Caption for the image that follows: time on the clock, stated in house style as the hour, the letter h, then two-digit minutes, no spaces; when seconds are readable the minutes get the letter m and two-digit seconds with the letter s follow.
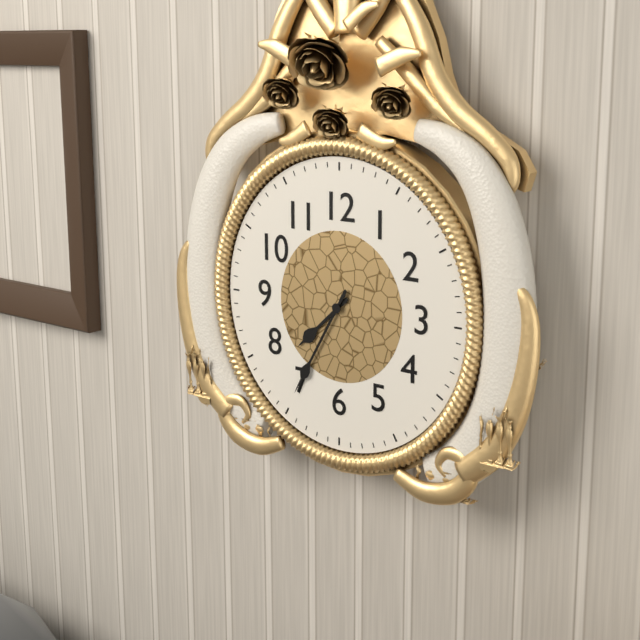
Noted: 7h35
